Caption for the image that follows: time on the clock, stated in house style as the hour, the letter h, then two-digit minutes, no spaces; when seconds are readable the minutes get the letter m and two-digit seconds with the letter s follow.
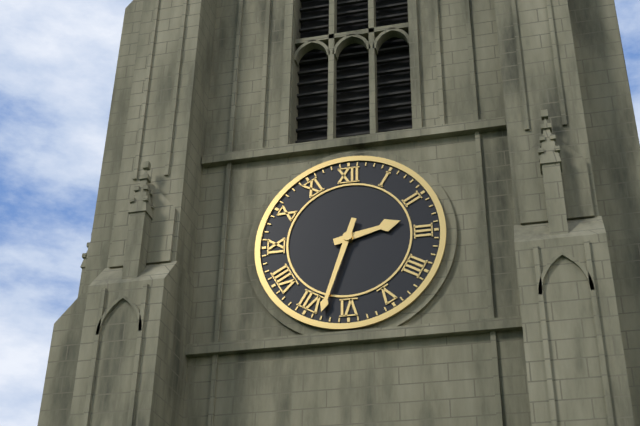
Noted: 2h33
